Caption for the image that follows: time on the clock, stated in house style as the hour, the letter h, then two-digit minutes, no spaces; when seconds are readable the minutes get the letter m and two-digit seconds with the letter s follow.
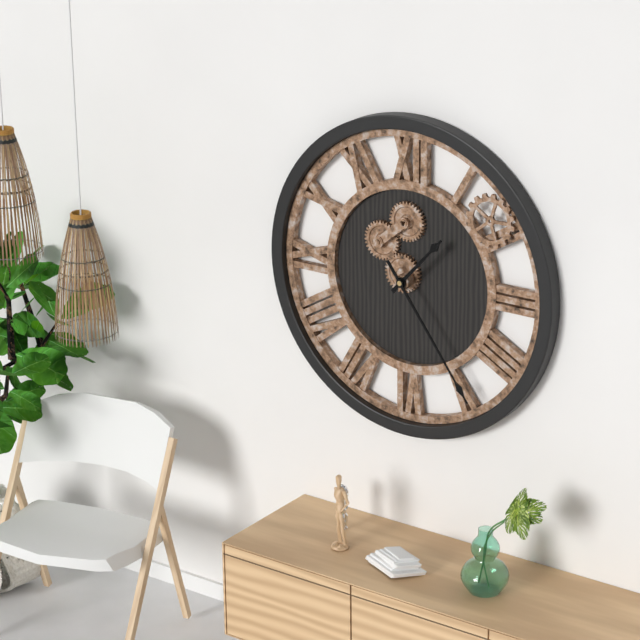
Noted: 1h24
